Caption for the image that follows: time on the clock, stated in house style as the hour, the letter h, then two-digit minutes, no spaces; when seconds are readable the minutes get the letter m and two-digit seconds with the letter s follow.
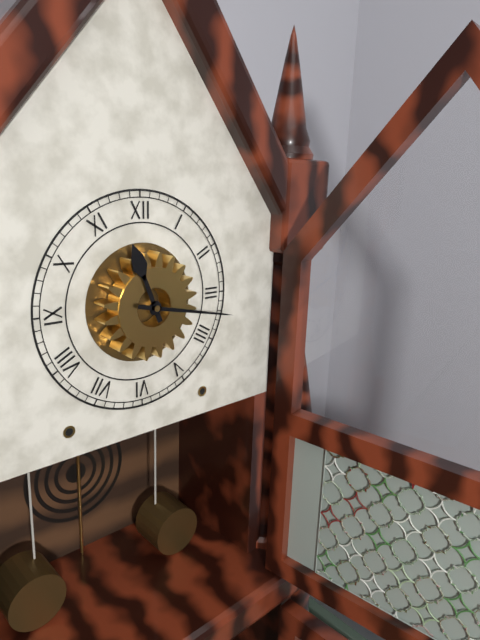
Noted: 11h17
